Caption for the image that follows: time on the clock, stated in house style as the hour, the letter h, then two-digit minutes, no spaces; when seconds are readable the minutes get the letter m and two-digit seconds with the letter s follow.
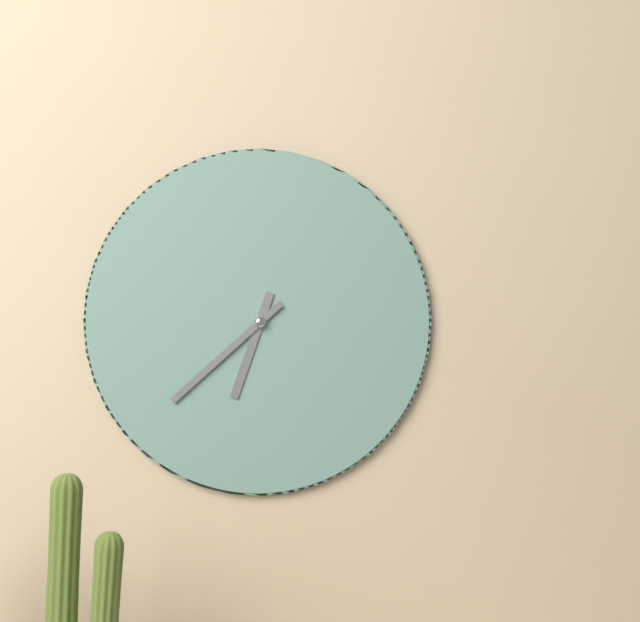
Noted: 6h38
